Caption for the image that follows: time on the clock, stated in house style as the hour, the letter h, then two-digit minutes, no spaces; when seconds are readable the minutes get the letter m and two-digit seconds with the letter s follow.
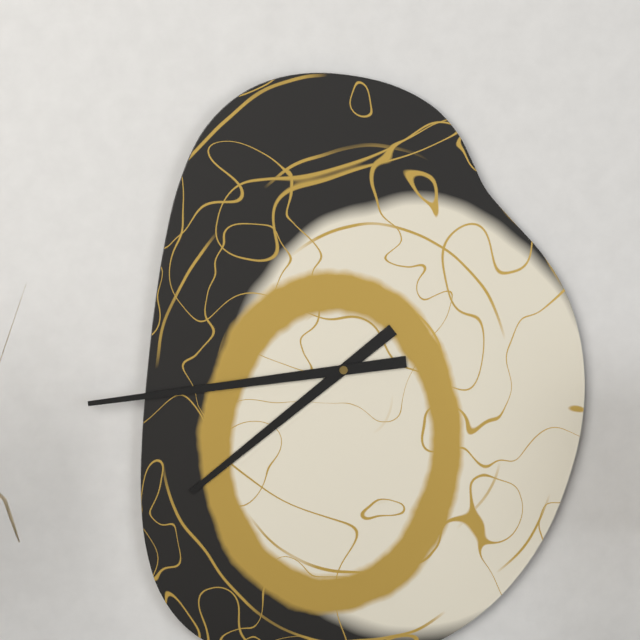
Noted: 7h44
